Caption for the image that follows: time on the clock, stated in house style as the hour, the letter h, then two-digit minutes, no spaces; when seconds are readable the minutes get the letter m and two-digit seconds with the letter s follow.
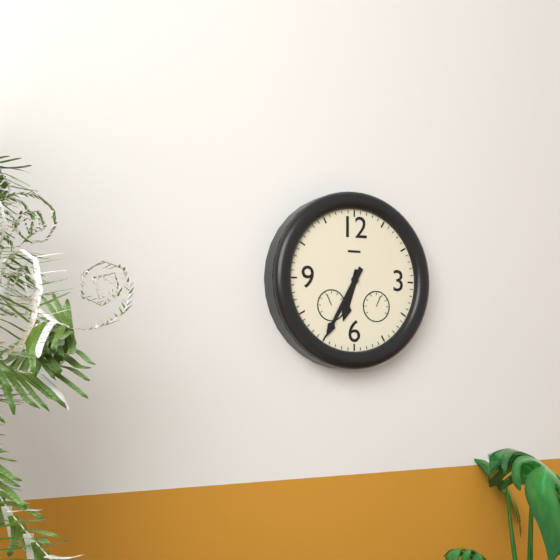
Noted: 6h35
